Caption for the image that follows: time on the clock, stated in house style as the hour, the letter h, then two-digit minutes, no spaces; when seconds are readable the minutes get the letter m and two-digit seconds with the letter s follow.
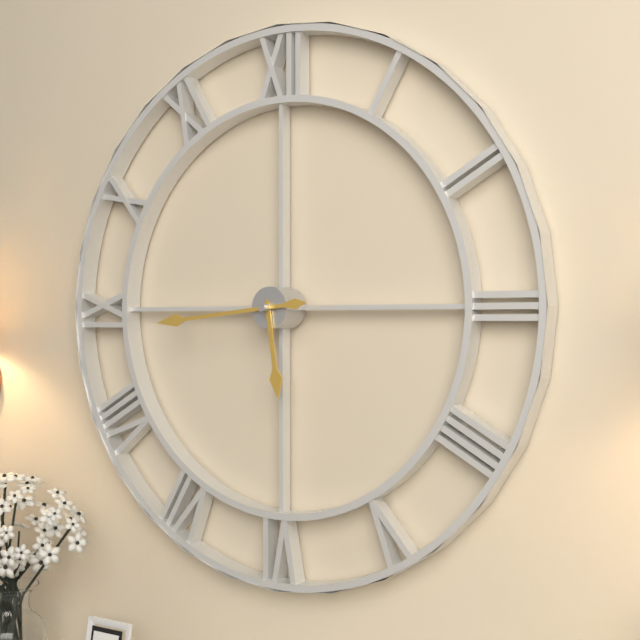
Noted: 5h44
